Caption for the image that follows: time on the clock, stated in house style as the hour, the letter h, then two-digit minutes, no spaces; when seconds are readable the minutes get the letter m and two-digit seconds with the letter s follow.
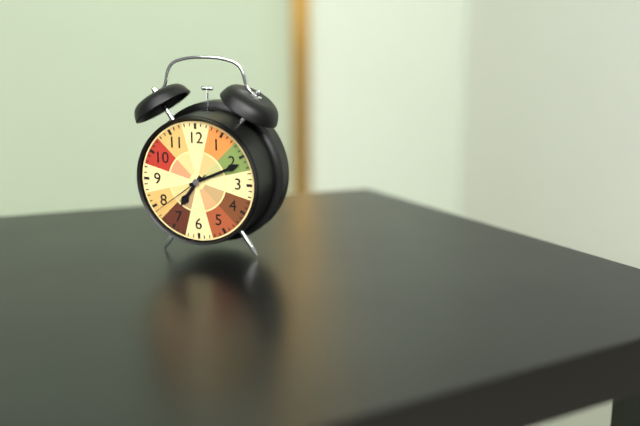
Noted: 7h11m39s
